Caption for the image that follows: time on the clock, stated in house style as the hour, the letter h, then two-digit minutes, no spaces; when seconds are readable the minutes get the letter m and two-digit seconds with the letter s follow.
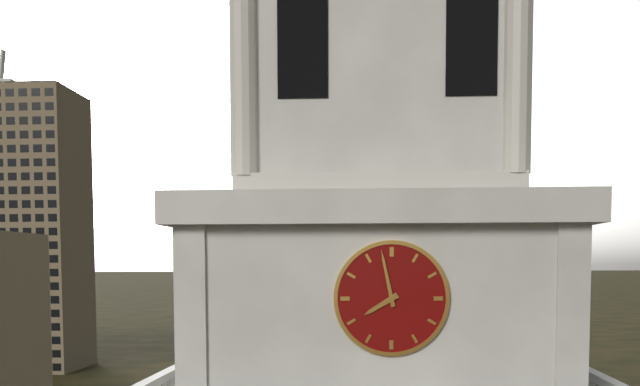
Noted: 7h58
